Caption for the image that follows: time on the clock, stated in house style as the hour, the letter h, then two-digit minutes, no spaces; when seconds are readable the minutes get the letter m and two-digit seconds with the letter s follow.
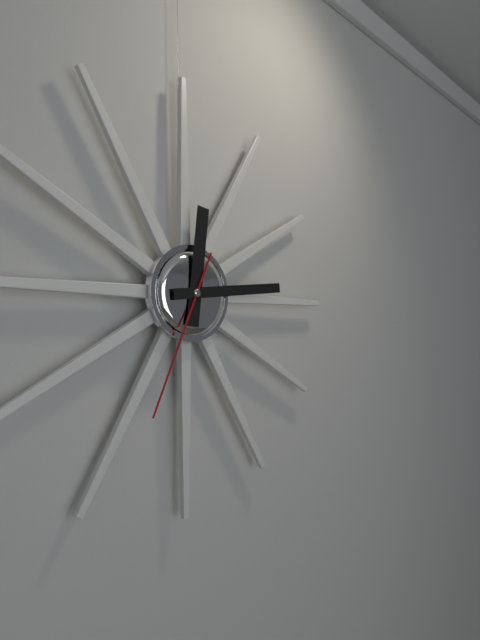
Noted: 12h14m34s
